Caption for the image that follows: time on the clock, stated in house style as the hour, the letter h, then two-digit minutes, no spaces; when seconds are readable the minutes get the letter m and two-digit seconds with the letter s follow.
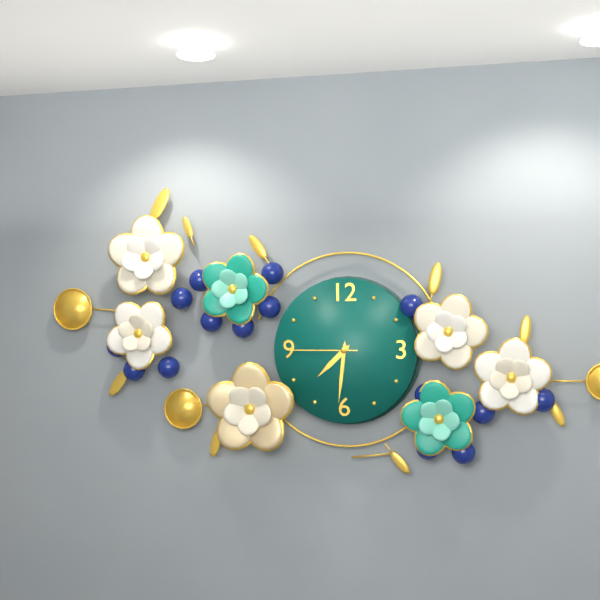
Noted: 7h31m45s
